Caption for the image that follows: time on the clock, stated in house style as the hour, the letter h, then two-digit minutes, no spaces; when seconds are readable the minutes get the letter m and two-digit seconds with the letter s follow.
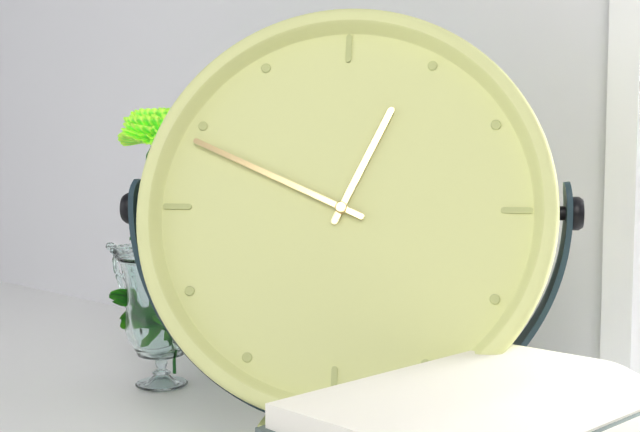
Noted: 12h49
